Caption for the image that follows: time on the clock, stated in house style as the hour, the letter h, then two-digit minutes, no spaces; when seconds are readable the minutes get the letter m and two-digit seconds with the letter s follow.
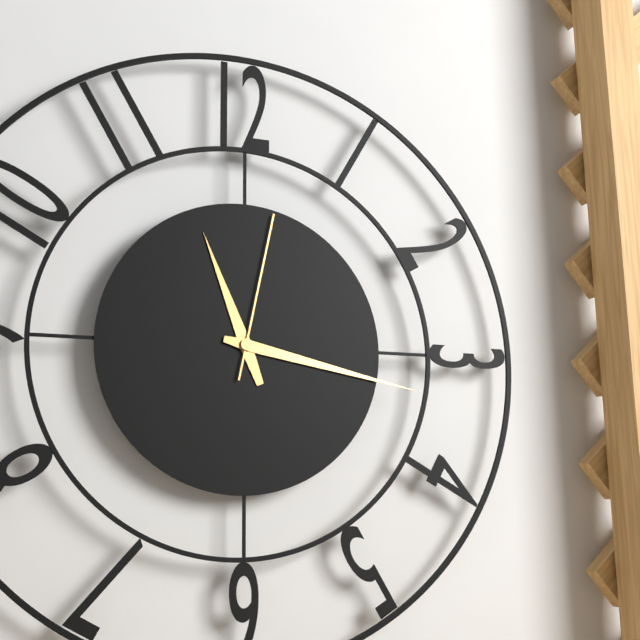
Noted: 11h17m02s
